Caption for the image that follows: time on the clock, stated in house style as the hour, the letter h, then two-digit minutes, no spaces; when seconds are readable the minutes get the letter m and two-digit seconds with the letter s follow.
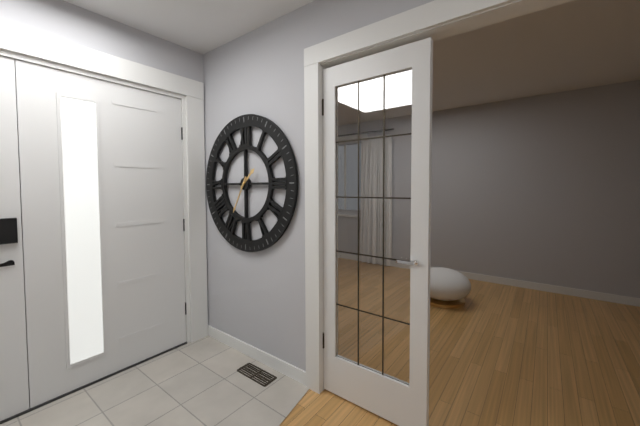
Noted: 1h35
